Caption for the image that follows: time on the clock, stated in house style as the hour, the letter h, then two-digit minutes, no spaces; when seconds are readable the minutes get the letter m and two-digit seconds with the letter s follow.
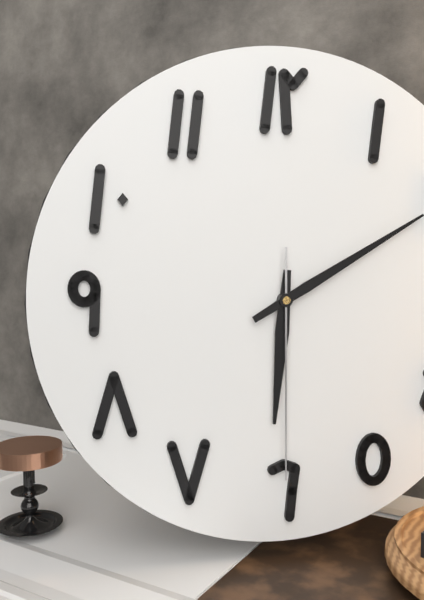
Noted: 6h10m30s
